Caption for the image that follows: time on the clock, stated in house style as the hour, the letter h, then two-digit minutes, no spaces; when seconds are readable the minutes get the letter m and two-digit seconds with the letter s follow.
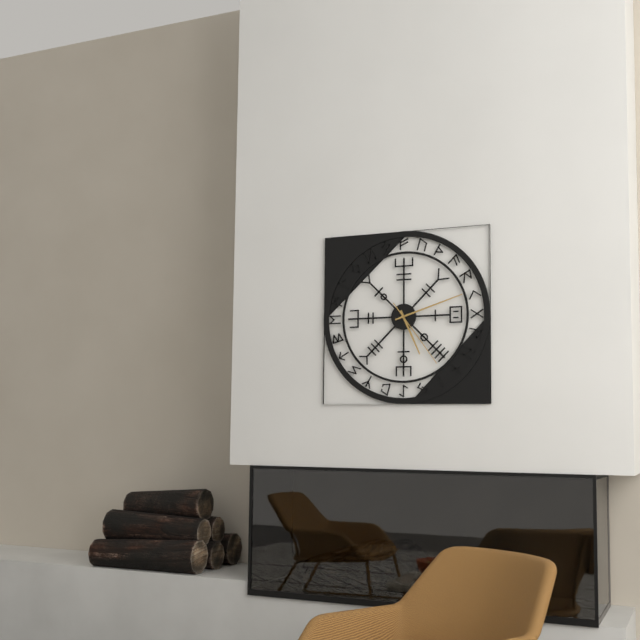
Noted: 5h12m24s
